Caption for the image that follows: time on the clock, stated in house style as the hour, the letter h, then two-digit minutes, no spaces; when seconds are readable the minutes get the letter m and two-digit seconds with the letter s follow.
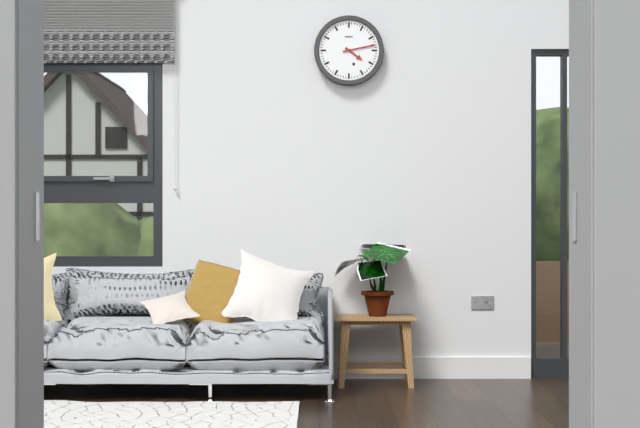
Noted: 4h13
